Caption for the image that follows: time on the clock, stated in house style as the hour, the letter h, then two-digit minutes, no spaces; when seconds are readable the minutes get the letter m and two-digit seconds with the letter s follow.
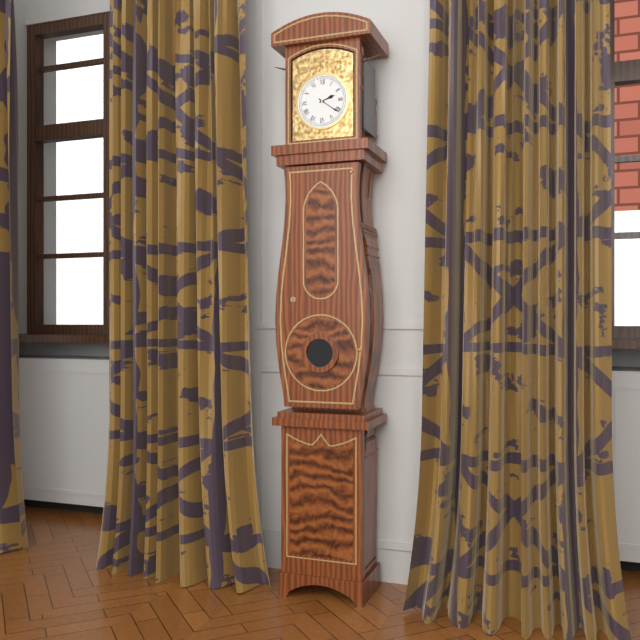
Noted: 2h21
